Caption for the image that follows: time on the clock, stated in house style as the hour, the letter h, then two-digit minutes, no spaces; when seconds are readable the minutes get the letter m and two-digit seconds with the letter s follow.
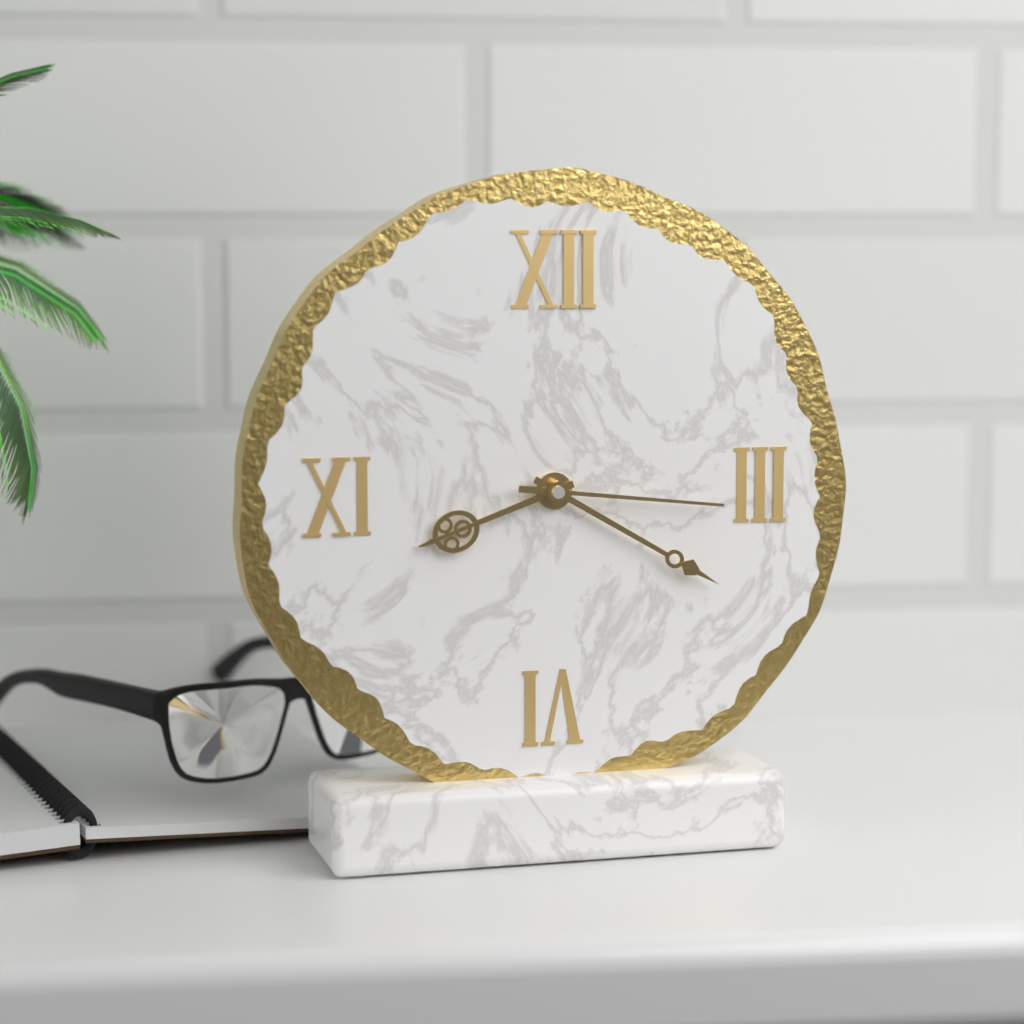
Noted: 8h20m16s
